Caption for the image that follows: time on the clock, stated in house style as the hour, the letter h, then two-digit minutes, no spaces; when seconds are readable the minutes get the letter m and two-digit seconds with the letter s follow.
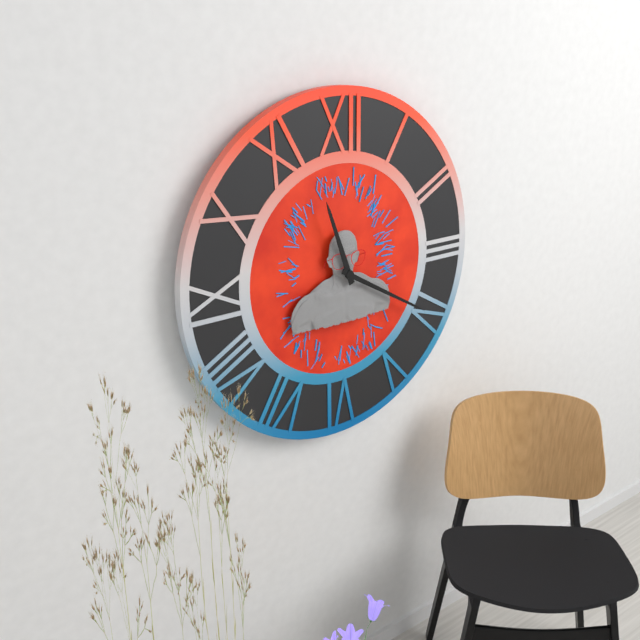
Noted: 11h20
